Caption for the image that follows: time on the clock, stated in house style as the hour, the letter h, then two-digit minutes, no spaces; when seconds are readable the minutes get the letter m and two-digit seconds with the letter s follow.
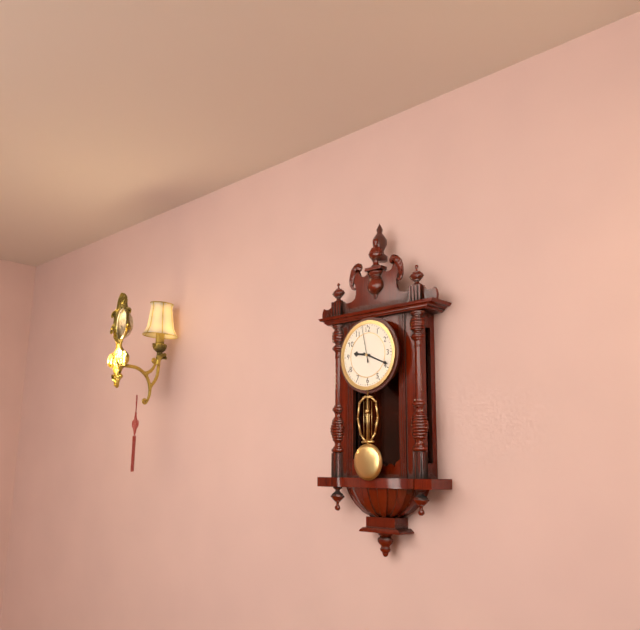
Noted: 9h19
